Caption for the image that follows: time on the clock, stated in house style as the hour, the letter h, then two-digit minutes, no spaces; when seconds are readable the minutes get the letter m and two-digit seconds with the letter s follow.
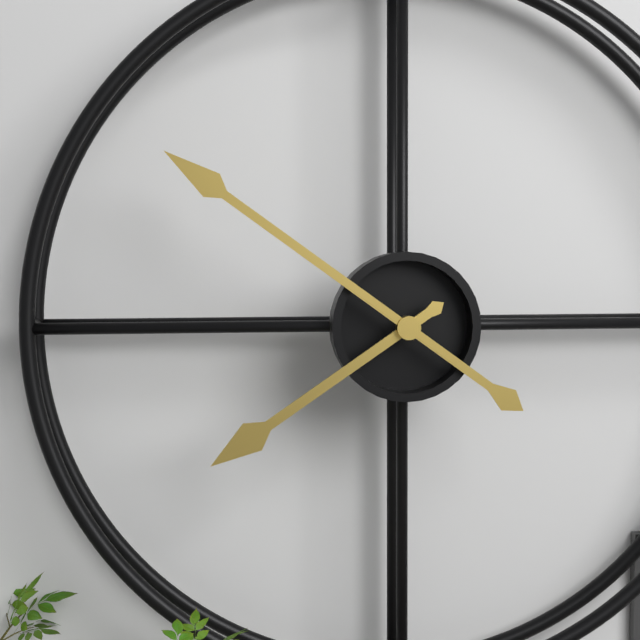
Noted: 7h51
